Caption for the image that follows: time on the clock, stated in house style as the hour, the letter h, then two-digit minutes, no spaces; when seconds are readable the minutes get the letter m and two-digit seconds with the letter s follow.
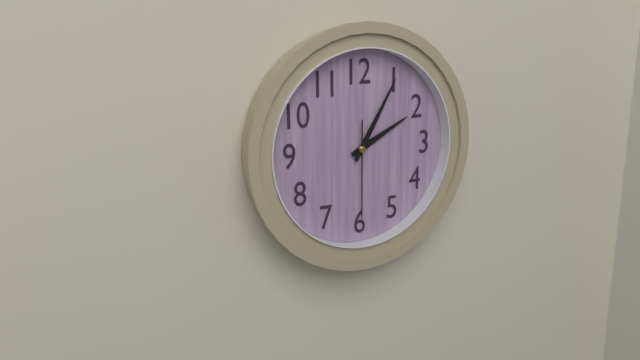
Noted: 2h05m30s
